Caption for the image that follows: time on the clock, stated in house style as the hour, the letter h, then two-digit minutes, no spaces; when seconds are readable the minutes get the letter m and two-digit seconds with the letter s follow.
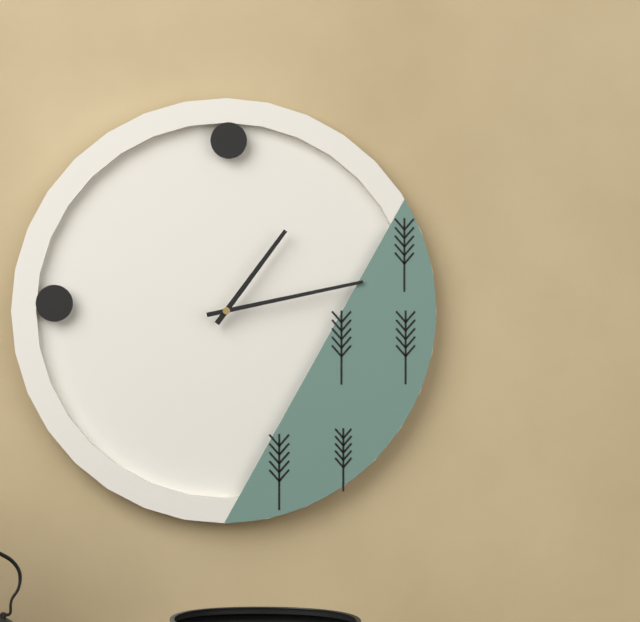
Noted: 1h13
